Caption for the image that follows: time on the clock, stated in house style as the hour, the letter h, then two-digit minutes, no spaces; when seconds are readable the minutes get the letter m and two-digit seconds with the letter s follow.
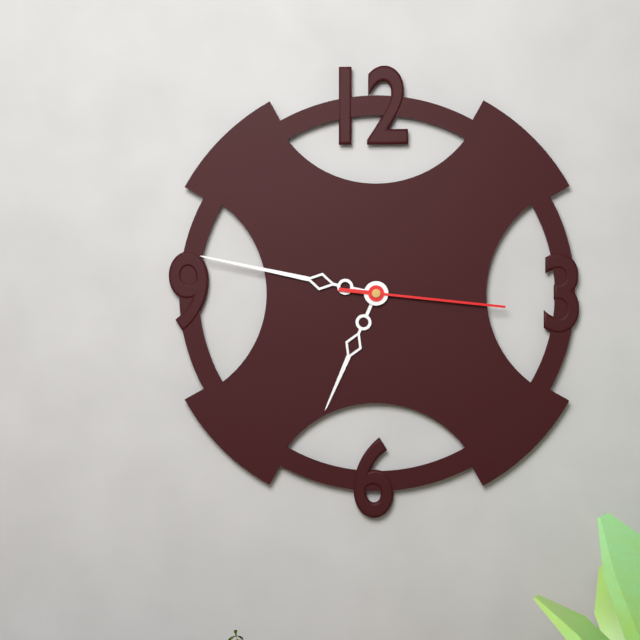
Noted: 6h47m16s
